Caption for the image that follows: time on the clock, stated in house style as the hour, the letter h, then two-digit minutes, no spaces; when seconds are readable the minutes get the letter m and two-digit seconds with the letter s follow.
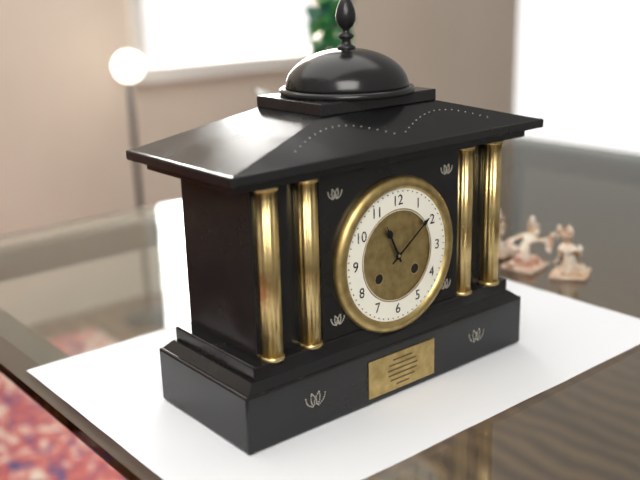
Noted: 11h09
